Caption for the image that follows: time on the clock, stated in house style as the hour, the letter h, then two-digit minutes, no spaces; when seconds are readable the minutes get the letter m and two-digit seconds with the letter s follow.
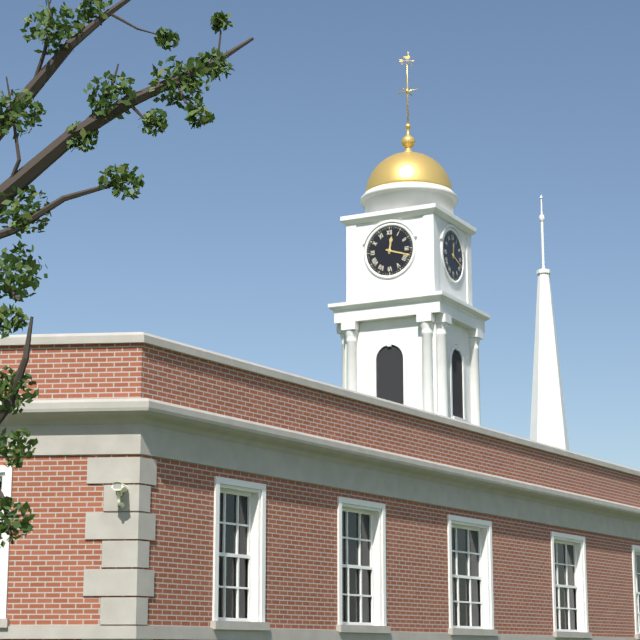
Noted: 12h18
